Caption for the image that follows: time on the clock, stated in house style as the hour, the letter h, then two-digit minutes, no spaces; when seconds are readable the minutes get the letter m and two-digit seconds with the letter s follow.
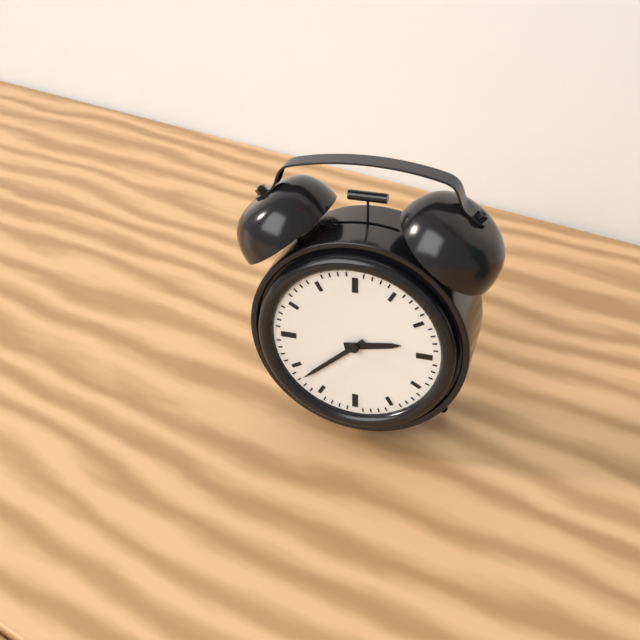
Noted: 2h38
